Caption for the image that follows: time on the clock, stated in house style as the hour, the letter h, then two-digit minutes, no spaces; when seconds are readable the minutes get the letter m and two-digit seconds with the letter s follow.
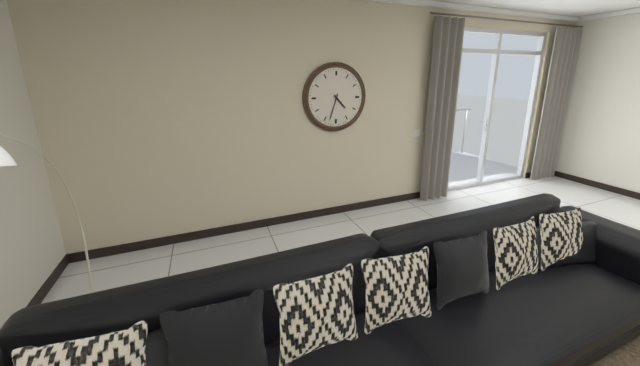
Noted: 4h33
